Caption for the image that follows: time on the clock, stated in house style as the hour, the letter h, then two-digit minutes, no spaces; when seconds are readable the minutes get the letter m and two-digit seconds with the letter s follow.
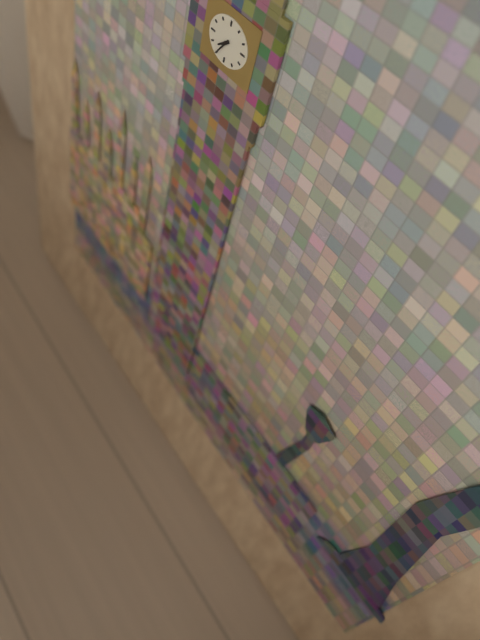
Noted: 7h35
